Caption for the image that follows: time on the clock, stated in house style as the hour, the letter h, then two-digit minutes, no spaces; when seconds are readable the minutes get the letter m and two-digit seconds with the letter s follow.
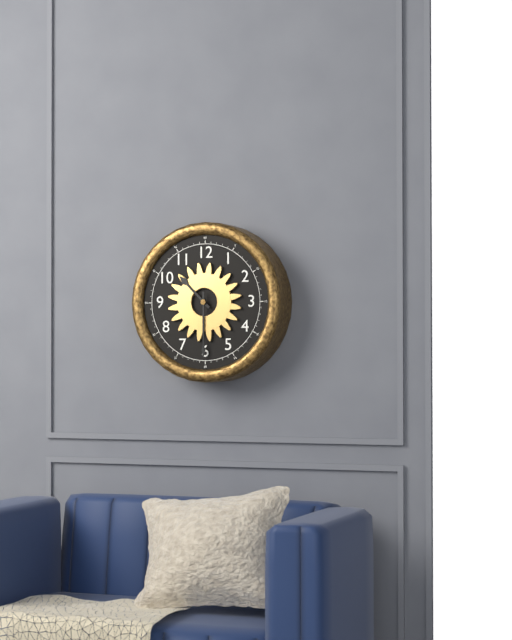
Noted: 10h30
